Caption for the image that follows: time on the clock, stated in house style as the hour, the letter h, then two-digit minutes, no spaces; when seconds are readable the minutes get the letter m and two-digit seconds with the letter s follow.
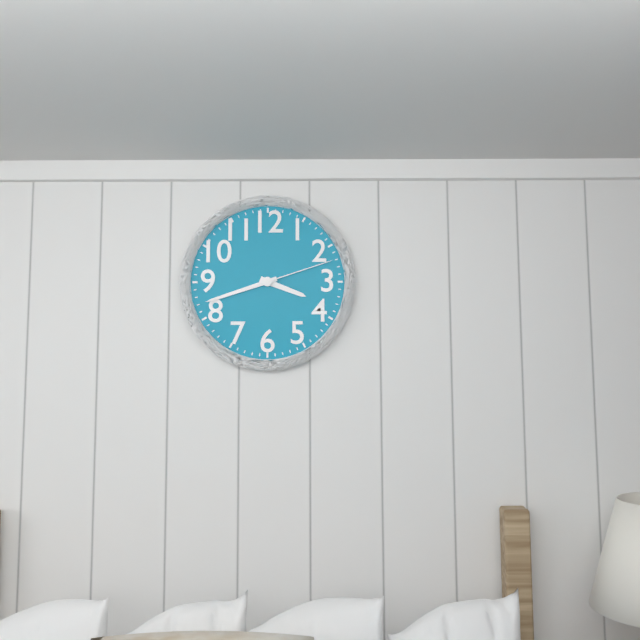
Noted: 3h42m12s
